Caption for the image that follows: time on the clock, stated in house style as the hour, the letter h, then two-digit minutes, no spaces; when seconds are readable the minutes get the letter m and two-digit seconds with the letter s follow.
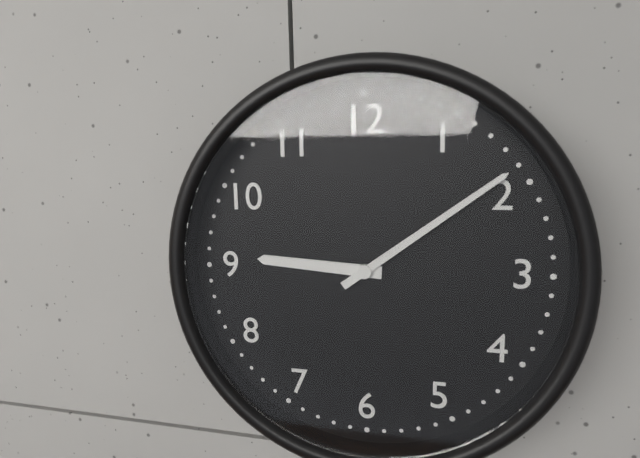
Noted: 9h09
